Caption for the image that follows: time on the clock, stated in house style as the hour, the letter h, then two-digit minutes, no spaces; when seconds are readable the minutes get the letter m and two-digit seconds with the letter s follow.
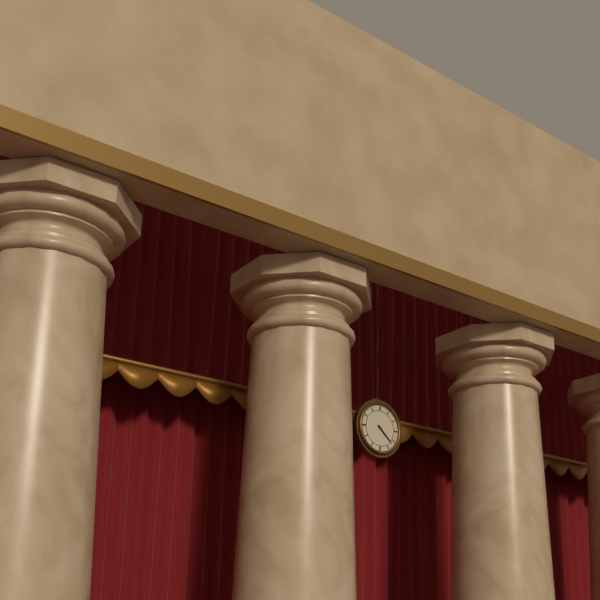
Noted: 4h22
